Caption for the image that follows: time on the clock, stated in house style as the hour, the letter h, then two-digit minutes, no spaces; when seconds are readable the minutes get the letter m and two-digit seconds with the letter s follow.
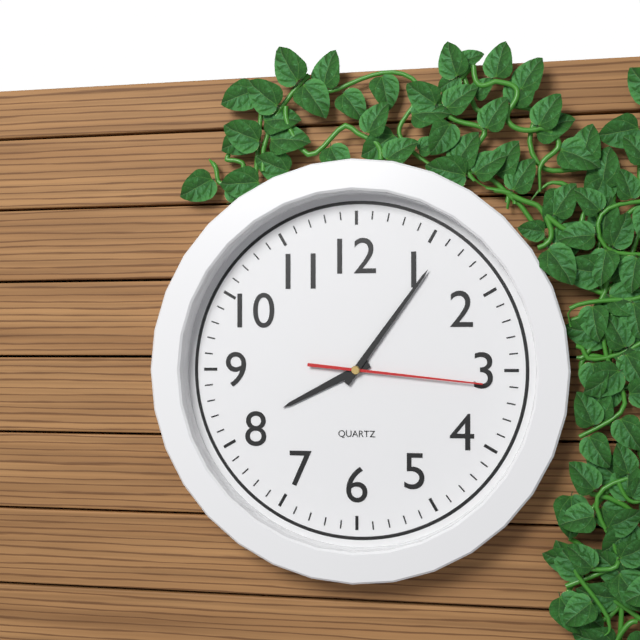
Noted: 8h06m16s
